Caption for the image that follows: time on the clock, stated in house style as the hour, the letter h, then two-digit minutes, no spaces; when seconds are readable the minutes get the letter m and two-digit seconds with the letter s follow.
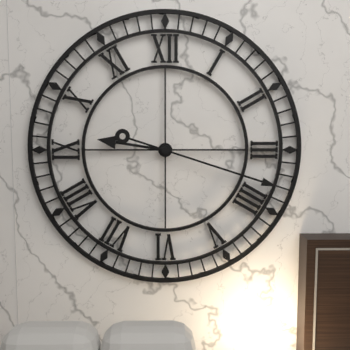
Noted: 9h18
